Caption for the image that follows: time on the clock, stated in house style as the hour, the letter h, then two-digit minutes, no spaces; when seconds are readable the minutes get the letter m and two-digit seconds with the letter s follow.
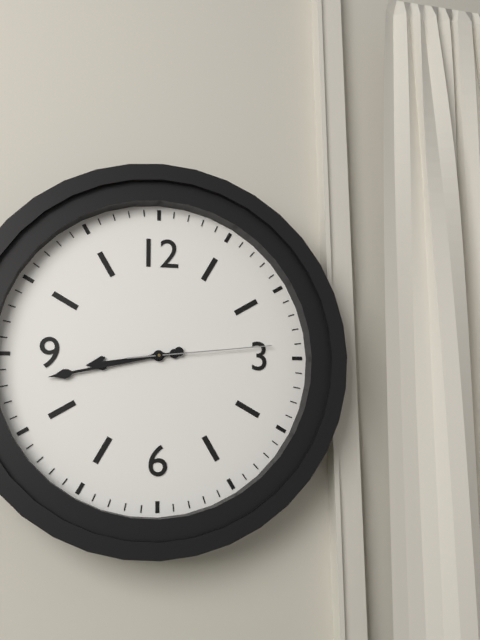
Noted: 8h43m14s
